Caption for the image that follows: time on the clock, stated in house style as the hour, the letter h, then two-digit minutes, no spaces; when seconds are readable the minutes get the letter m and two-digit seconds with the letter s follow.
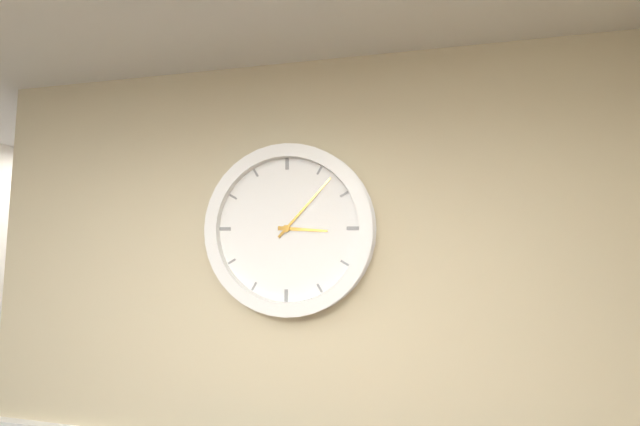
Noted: 3h07
